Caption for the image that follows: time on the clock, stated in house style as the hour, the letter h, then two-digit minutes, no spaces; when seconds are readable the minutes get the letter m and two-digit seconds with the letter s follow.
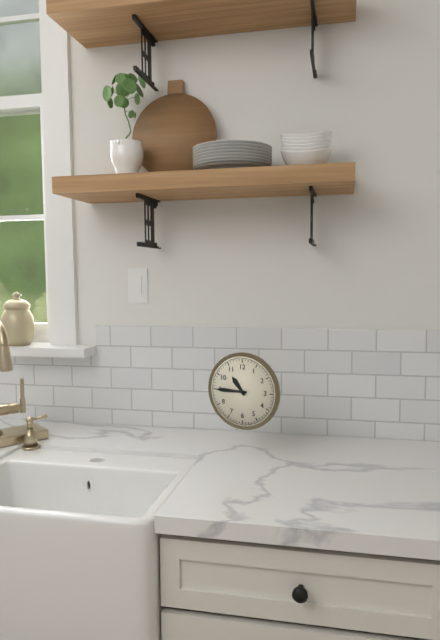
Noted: 10h45
